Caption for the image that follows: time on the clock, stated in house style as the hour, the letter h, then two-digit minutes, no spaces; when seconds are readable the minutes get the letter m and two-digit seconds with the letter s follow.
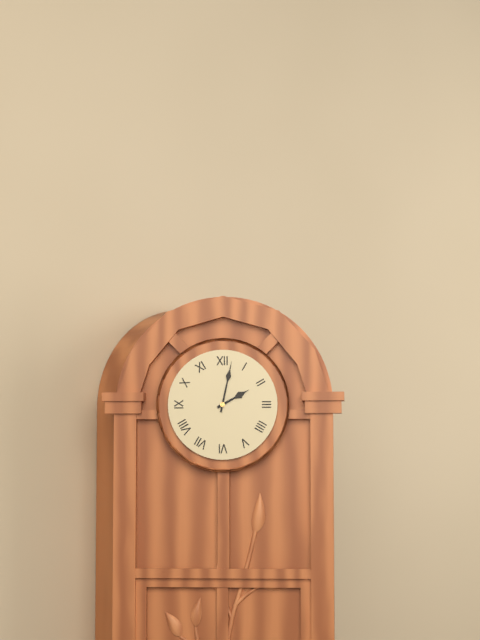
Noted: 2h02
